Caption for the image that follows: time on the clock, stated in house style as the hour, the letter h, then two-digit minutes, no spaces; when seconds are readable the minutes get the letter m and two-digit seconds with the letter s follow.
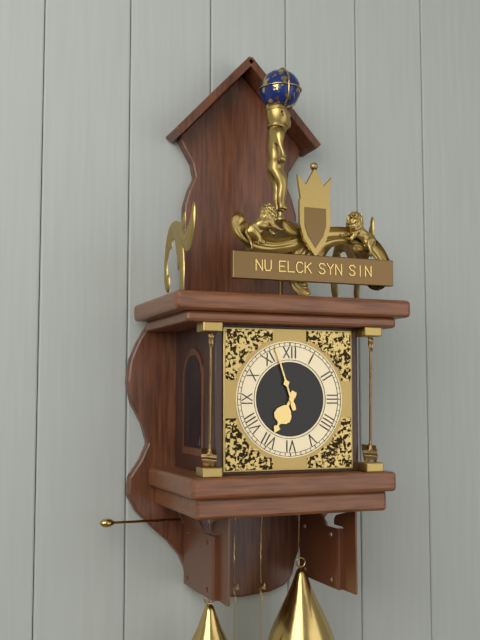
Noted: 6h57
